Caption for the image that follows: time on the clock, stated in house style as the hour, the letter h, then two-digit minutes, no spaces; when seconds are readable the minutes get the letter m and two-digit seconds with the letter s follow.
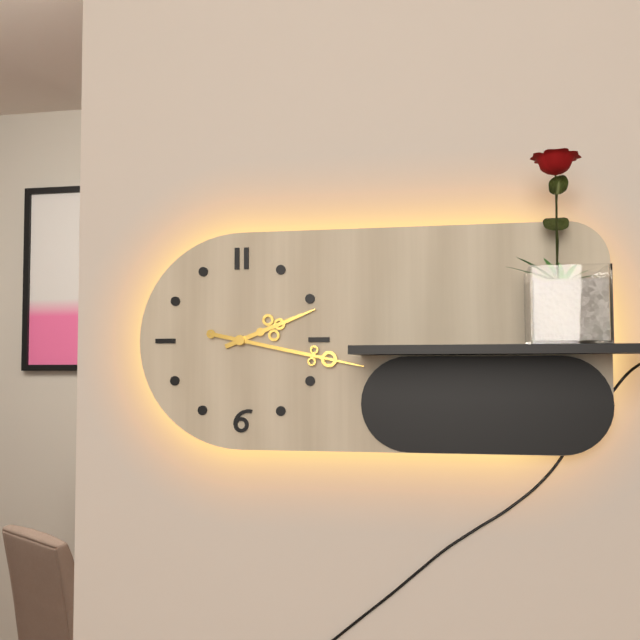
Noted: 2h17
